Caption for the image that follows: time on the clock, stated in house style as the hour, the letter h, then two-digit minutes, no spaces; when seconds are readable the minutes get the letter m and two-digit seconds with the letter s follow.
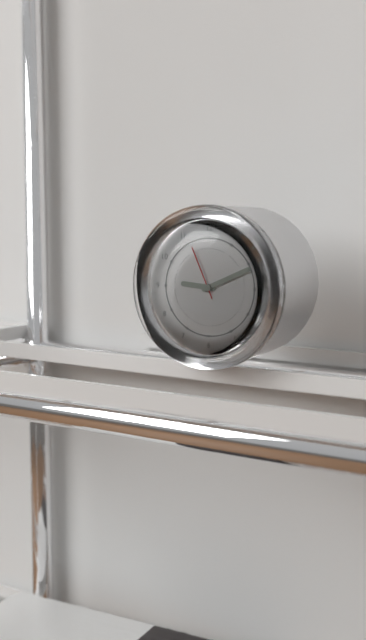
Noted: 9h11m56s
